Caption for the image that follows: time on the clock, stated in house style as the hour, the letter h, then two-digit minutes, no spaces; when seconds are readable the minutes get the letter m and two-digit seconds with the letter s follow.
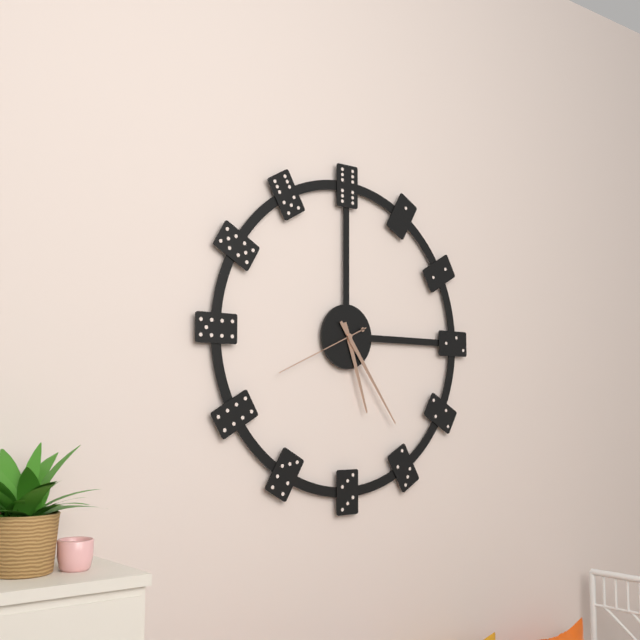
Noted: 5h24m41s
